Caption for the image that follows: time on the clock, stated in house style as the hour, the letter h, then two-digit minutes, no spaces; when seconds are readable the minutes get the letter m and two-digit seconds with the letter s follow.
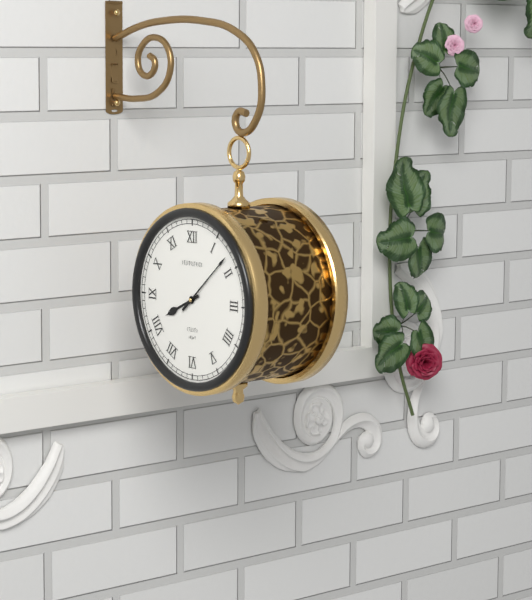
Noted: 8h08
